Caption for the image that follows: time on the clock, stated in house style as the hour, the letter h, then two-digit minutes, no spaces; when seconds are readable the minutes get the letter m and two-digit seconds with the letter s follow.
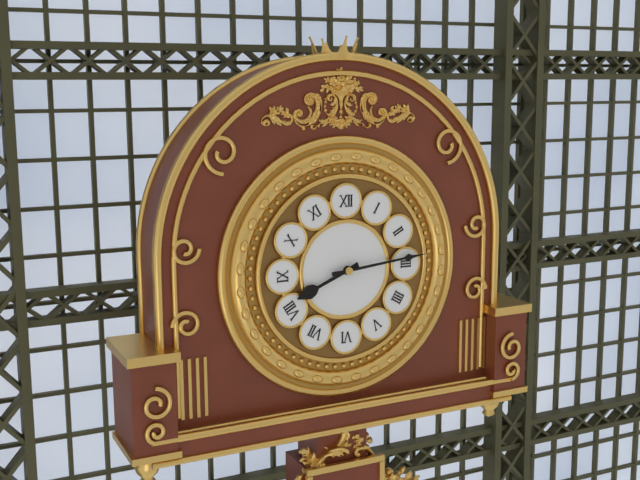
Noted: 8h14
